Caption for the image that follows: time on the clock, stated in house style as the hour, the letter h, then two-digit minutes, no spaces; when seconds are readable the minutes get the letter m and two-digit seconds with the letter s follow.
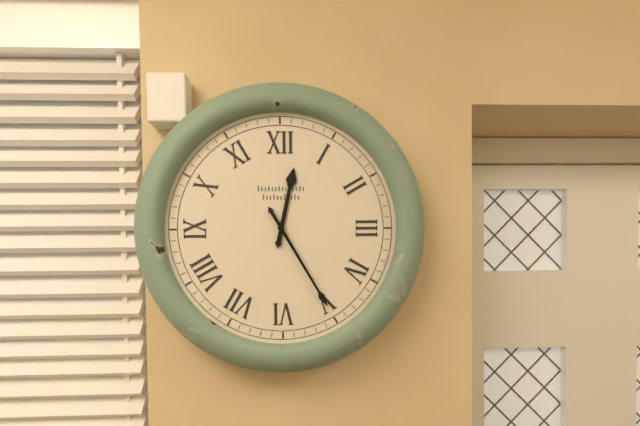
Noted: 12h25
